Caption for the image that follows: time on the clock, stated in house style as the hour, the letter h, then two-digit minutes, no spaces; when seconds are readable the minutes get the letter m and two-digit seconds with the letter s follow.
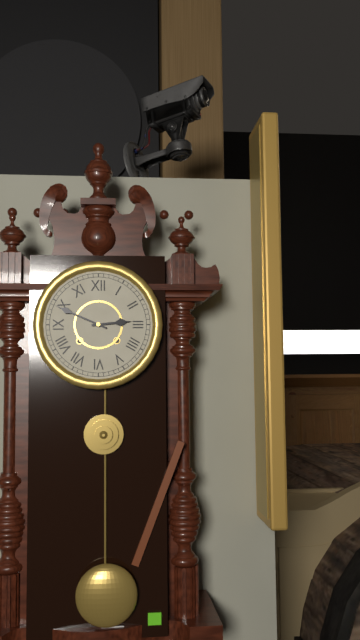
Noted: 2h49
